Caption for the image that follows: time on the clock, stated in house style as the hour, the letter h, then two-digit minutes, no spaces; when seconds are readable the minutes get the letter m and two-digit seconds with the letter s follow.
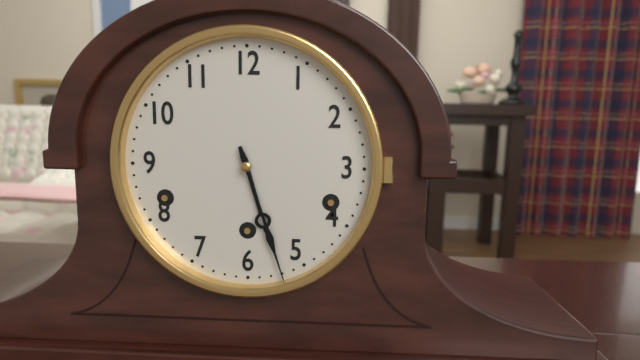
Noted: 5h27
